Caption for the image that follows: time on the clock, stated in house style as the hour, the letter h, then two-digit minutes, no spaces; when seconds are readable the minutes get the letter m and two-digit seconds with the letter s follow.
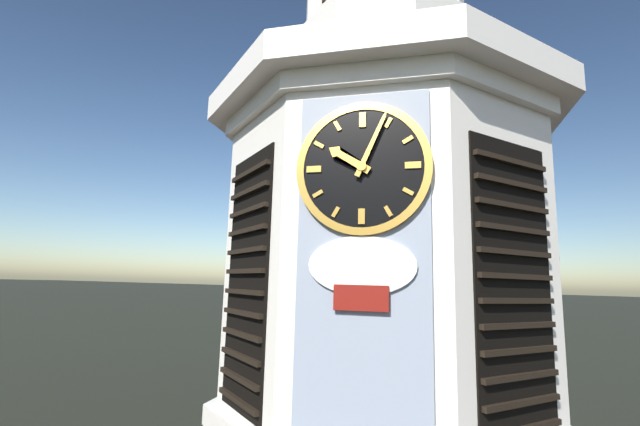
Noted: 10h04
